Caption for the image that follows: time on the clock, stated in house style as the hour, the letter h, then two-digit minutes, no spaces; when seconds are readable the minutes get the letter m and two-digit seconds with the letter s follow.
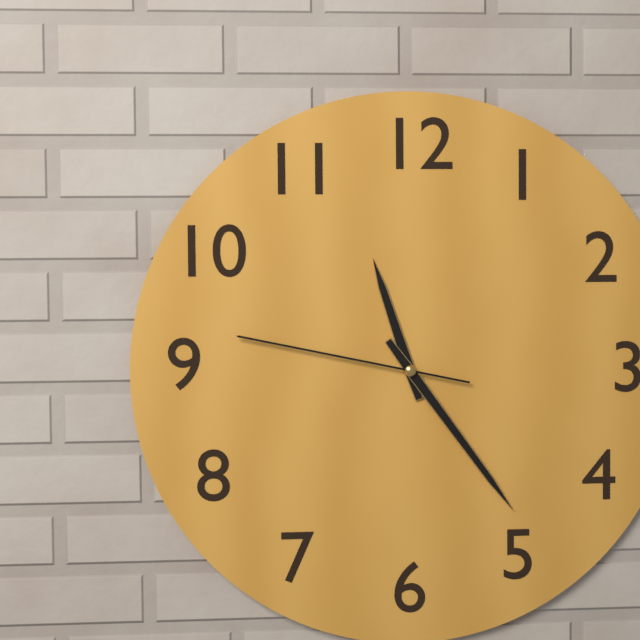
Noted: 11h24m47s
